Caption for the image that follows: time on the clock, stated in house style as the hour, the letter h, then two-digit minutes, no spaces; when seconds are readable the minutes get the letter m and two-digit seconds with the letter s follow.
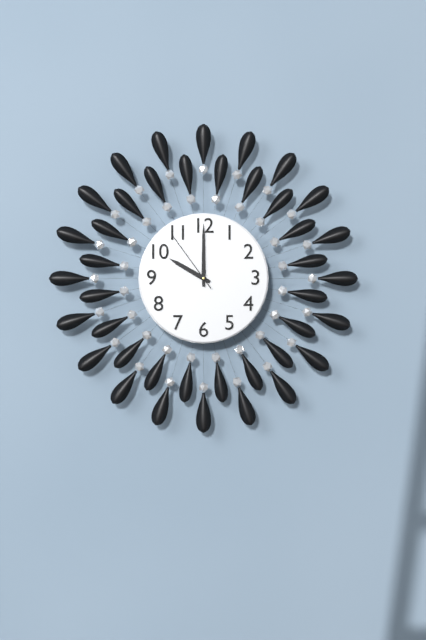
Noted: 10h00m54s
